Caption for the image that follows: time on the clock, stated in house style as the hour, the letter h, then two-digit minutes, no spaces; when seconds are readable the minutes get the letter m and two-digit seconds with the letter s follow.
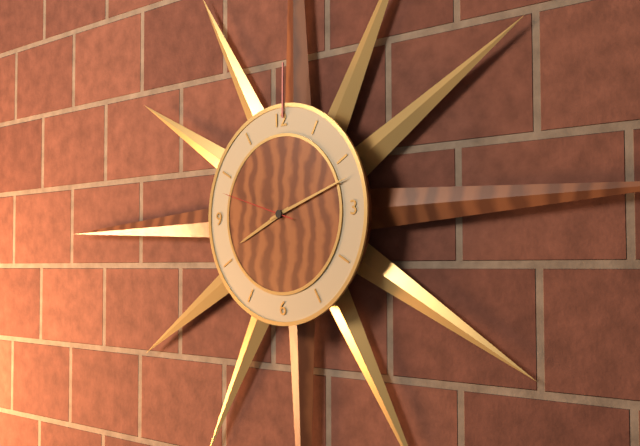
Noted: 8h12m48s
